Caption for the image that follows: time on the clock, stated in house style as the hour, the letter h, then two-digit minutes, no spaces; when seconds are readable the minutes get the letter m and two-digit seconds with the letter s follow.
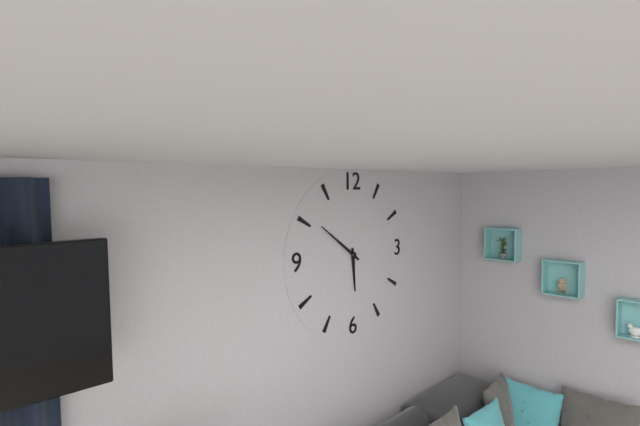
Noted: 5h51
